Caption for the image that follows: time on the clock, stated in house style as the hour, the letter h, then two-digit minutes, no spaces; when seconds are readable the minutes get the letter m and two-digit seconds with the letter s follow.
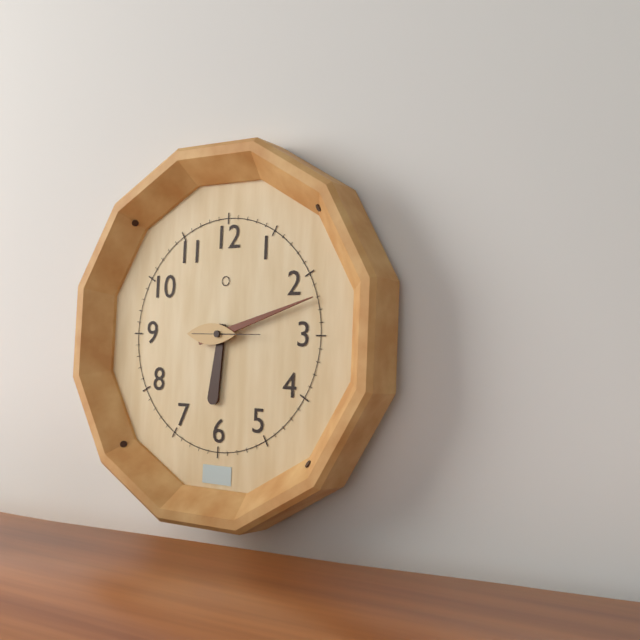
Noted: 6h12
